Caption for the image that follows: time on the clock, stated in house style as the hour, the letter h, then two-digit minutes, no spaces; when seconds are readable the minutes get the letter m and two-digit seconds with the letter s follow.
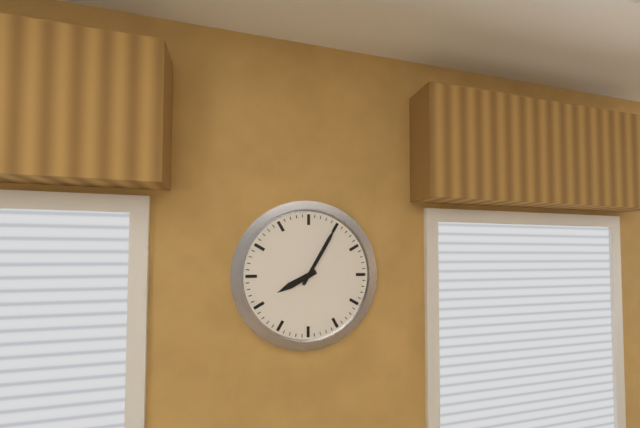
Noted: 8h05
